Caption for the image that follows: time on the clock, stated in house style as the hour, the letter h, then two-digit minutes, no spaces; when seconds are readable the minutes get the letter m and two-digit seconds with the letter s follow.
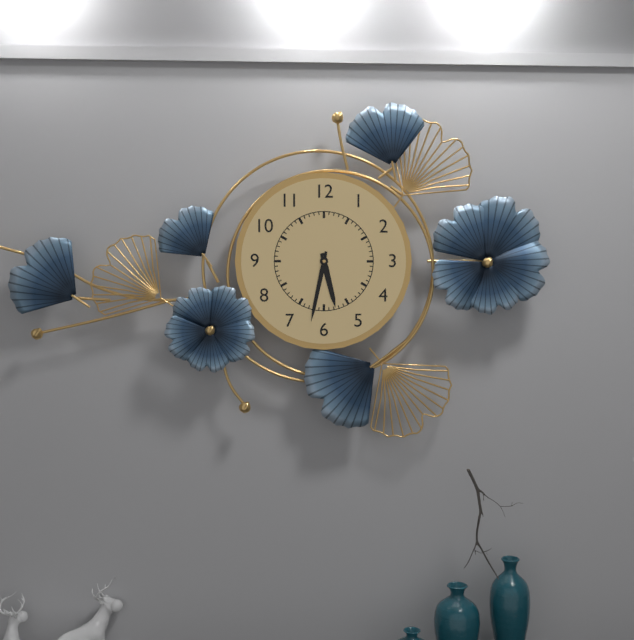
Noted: 5h32
